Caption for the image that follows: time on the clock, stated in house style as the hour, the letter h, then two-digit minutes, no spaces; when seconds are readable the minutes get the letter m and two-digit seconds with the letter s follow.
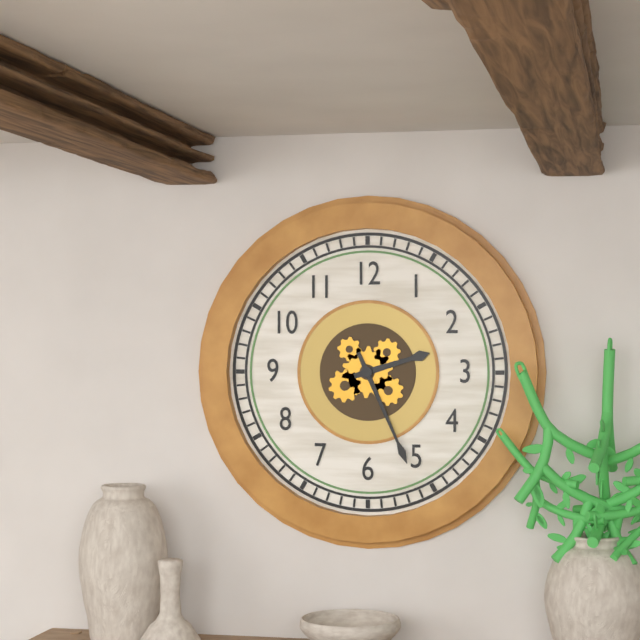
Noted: 2h26
